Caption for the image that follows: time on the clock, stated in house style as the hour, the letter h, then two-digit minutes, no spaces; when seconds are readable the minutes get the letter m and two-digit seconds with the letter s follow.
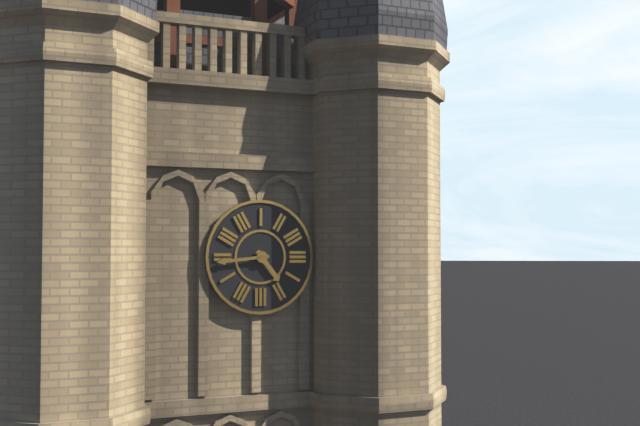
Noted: 4h44
